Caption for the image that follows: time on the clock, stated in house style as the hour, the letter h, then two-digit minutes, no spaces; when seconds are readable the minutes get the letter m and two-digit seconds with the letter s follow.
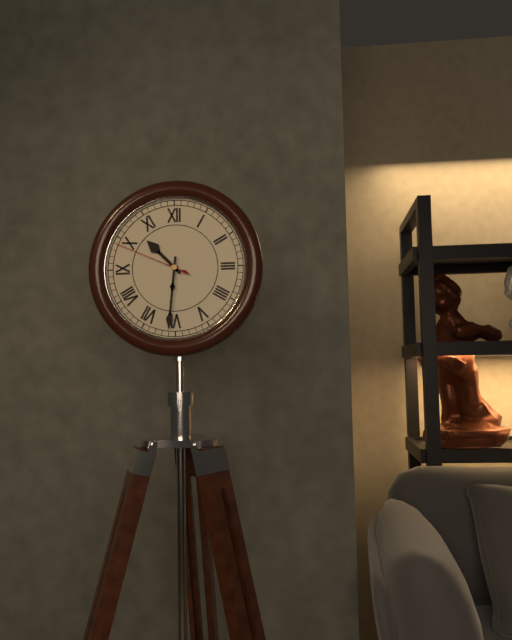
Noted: 10h31m49s
